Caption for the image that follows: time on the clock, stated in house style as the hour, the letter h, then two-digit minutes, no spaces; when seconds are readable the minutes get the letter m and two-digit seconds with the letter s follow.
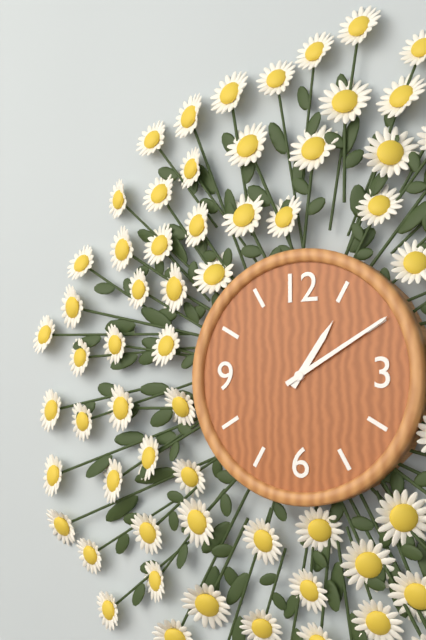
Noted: 1h10
